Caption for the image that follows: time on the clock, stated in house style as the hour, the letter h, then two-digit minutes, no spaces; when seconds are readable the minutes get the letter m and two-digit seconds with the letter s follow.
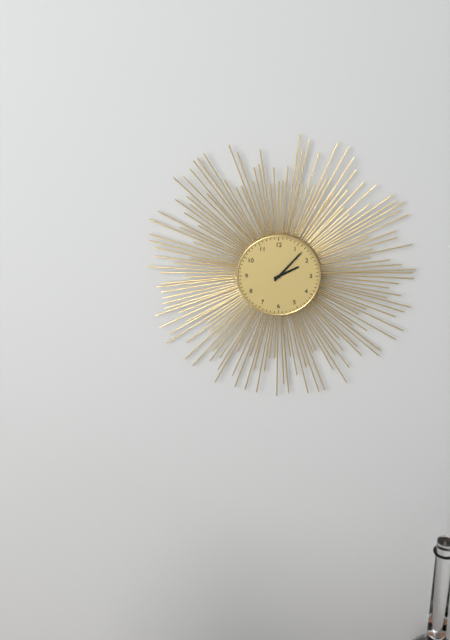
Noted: 2h07
